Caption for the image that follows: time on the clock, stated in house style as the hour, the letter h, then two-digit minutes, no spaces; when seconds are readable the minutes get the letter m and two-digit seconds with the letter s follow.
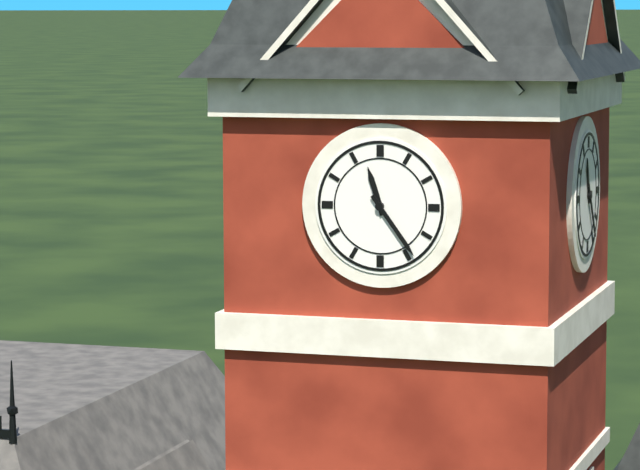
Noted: 11h24
